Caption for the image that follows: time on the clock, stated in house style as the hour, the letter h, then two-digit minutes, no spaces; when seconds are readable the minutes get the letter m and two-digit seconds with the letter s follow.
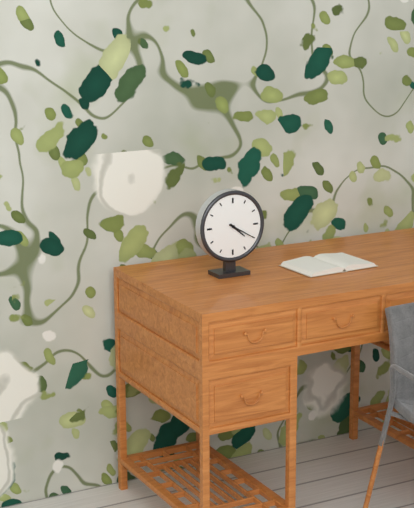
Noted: 4h20
